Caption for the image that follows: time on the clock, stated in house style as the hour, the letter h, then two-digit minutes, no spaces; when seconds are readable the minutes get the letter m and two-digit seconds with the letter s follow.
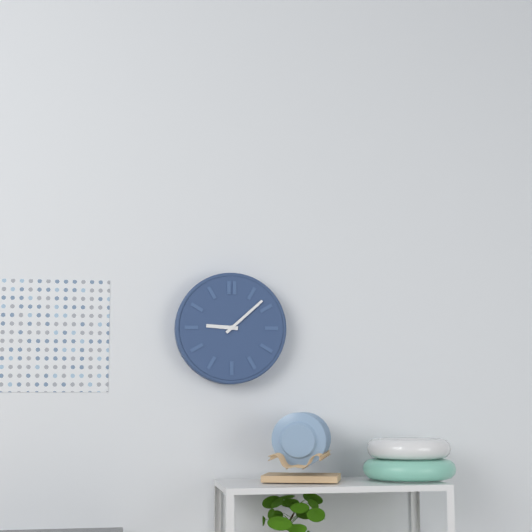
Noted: 9h08
